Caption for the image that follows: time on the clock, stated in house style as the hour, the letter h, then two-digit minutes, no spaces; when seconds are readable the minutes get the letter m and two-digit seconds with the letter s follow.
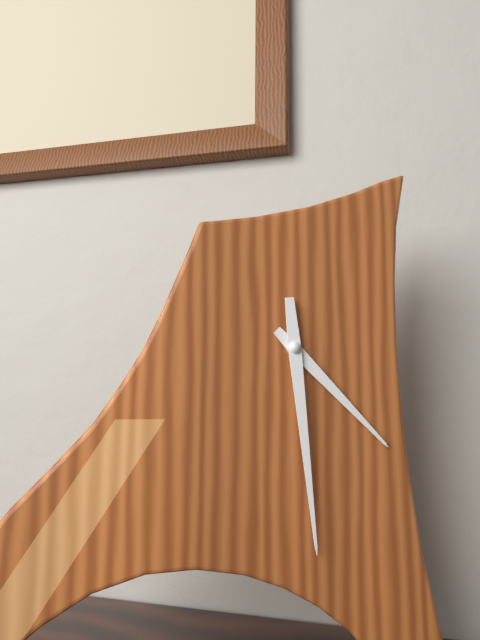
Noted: 4h29
